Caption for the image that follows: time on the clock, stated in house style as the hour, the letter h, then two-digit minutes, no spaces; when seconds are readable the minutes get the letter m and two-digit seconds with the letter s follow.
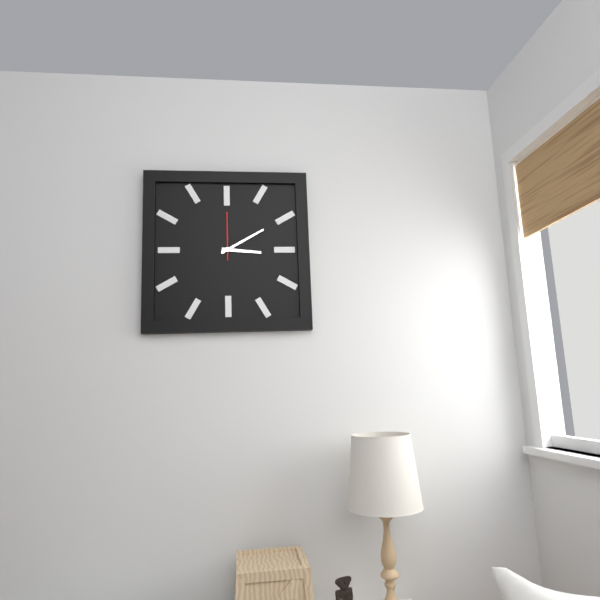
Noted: 3h10
